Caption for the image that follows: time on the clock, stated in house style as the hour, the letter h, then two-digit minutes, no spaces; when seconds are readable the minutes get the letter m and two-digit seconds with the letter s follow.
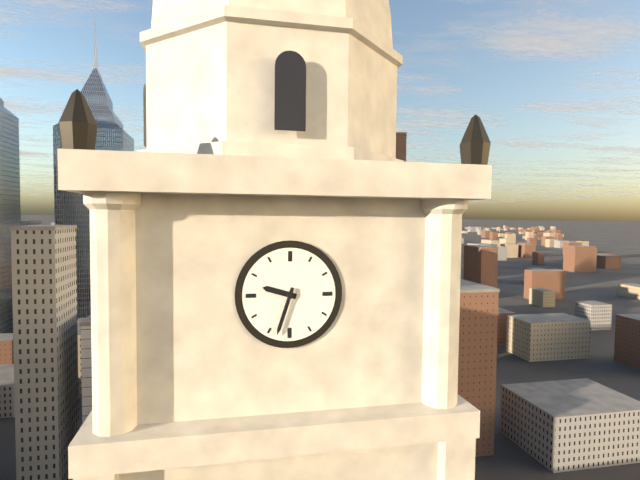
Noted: 9h33
